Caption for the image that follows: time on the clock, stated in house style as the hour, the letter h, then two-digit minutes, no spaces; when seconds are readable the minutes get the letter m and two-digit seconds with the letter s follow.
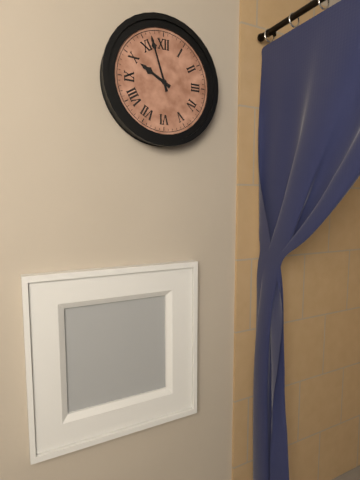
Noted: 9h57
